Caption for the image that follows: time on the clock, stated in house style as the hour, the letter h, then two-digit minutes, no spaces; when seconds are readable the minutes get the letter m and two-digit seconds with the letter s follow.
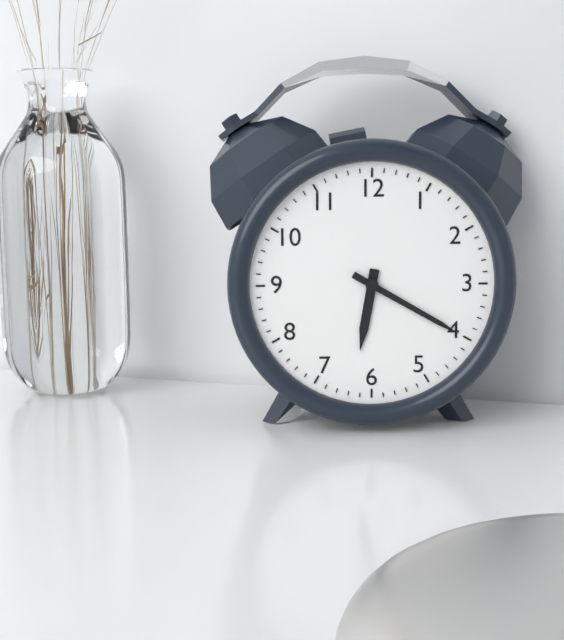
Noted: 6h20
